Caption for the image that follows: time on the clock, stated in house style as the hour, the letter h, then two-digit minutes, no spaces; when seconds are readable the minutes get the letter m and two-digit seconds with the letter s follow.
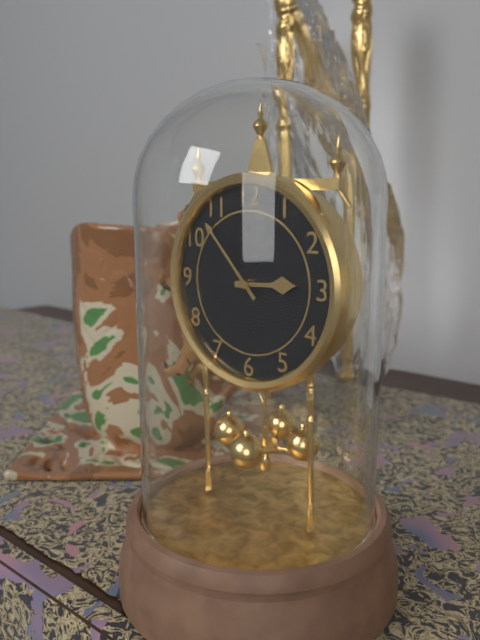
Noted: 2h53
